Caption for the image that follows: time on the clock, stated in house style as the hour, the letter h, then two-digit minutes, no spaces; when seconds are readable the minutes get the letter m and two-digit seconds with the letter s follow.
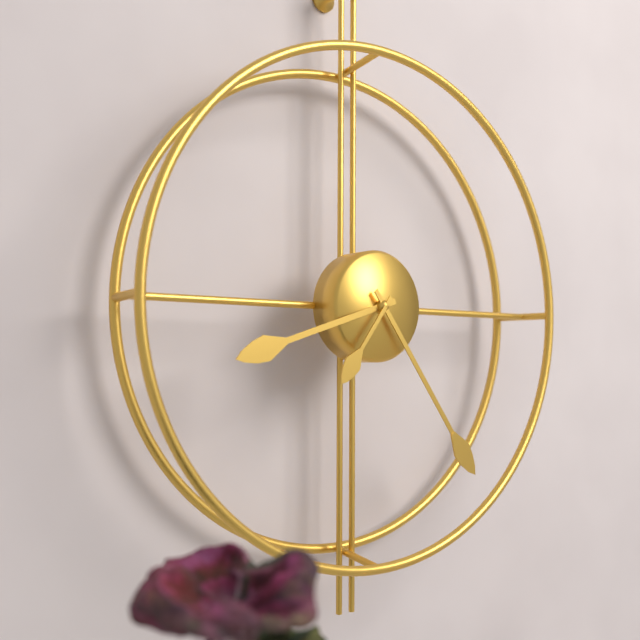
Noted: 8h24m36s
